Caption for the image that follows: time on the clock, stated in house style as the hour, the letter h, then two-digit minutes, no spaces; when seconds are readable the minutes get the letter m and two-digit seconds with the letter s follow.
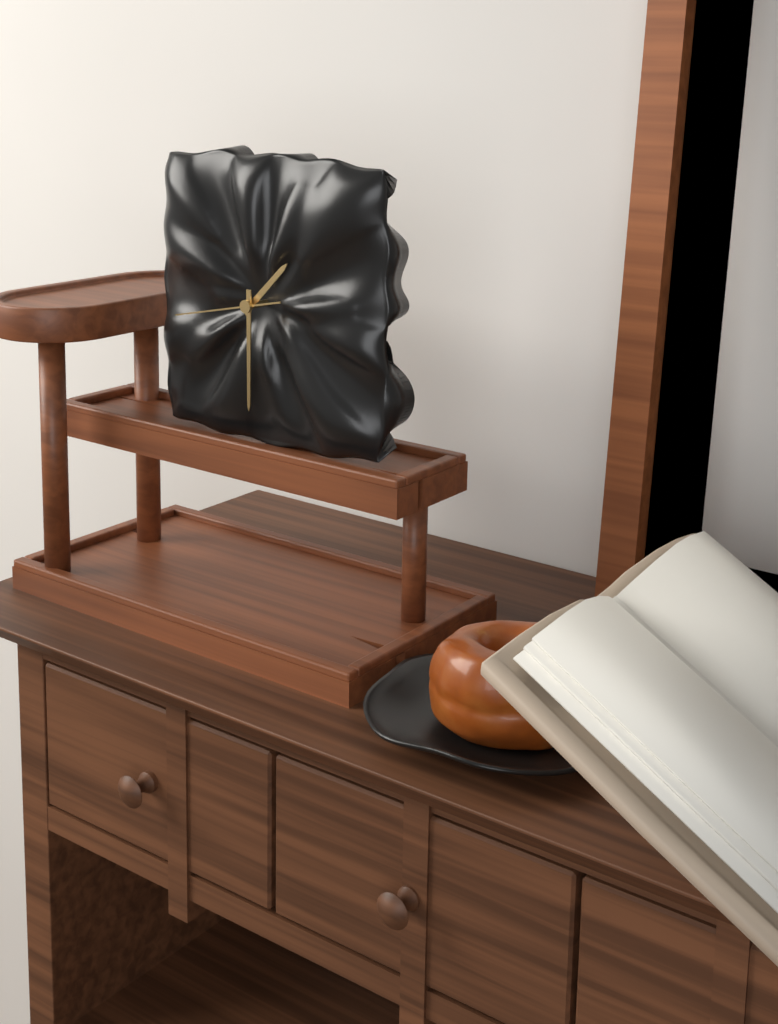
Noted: 1h30m43s
